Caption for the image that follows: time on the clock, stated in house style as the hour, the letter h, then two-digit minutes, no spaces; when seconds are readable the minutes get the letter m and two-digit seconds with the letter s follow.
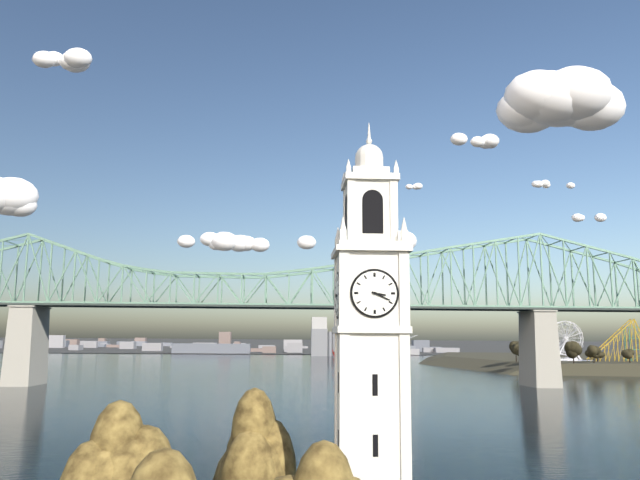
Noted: 3h19
